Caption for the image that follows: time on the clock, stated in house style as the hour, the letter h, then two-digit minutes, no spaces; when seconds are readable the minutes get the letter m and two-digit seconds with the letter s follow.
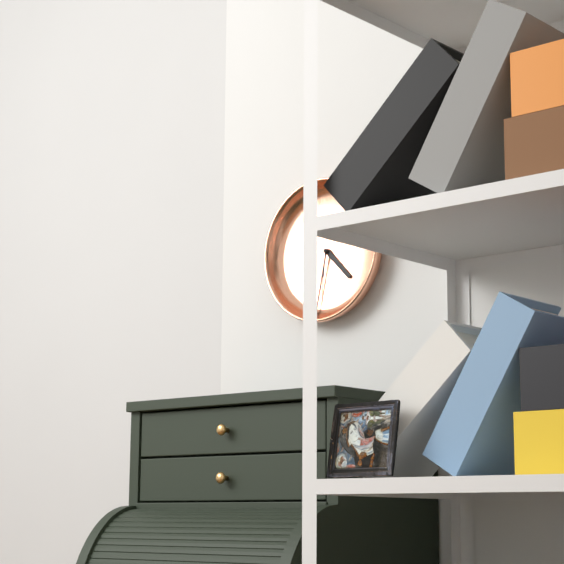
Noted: 4h32m31s
